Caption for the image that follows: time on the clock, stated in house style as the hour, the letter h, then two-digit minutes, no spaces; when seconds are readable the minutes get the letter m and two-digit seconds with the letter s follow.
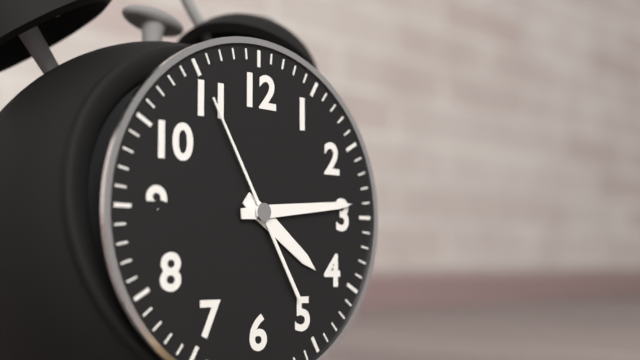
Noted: 4h14m55s
